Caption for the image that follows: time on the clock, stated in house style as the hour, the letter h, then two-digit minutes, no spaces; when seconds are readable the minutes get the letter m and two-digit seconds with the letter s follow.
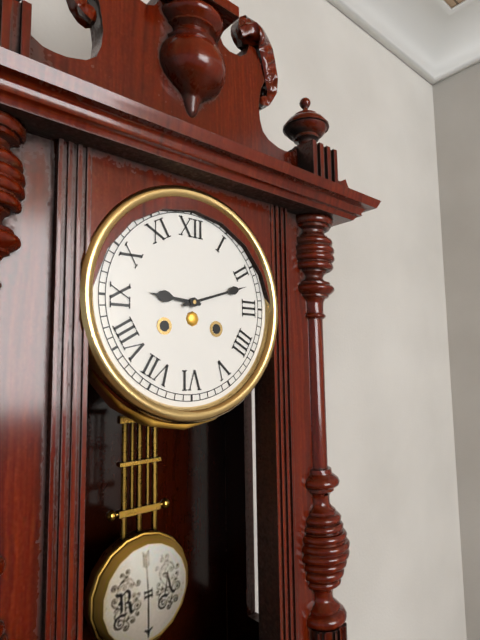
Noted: 9h12
